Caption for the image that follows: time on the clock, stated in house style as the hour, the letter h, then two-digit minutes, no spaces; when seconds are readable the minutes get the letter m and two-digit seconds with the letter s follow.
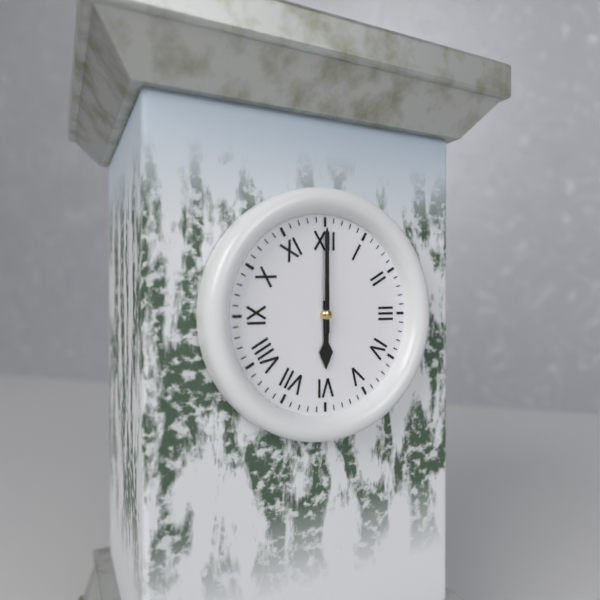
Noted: 6h00
